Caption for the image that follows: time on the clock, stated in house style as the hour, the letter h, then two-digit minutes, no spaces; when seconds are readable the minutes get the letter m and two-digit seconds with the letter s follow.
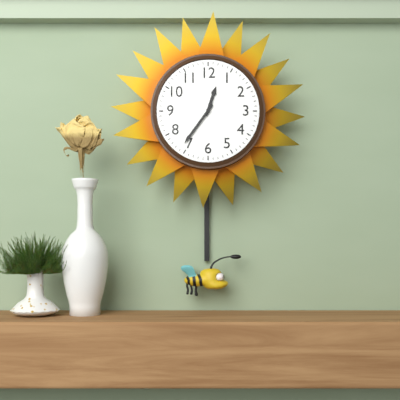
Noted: 12h36
